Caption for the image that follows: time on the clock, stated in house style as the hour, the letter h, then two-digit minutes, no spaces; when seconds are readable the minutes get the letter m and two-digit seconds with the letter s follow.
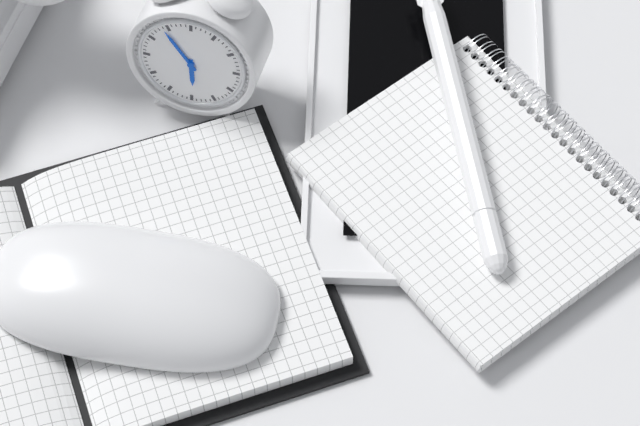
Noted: 5h54
